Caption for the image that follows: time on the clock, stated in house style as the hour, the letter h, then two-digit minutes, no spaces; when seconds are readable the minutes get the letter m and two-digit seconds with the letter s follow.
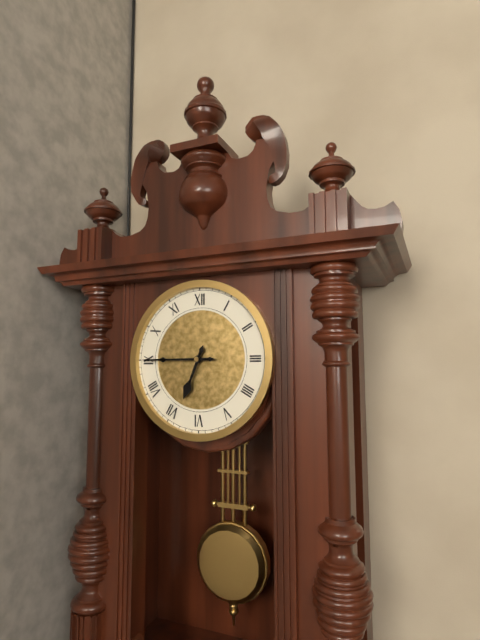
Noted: 6h45
